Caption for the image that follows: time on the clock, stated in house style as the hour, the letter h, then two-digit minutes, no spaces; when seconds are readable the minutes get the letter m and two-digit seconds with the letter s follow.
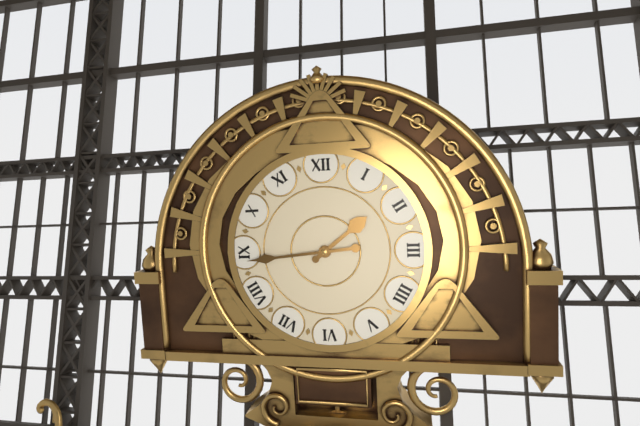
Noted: 1h44
